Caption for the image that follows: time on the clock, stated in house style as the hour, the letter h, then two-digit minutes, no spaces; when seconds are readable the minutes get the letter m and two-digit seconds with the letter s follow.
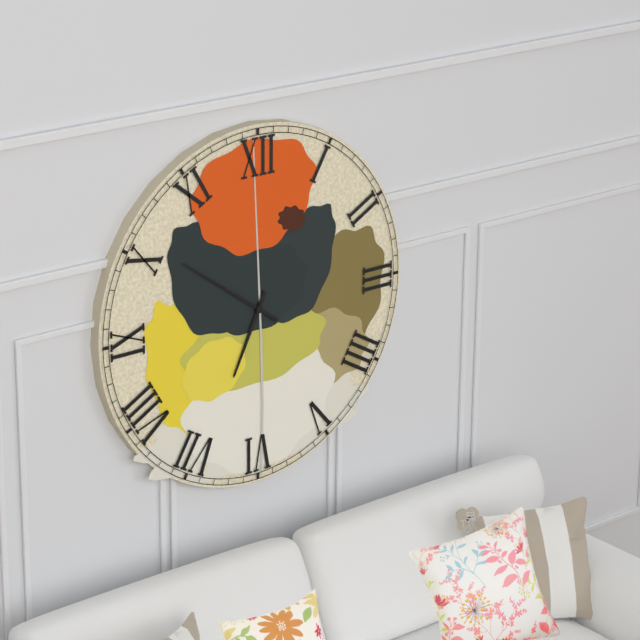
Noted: 6h51
